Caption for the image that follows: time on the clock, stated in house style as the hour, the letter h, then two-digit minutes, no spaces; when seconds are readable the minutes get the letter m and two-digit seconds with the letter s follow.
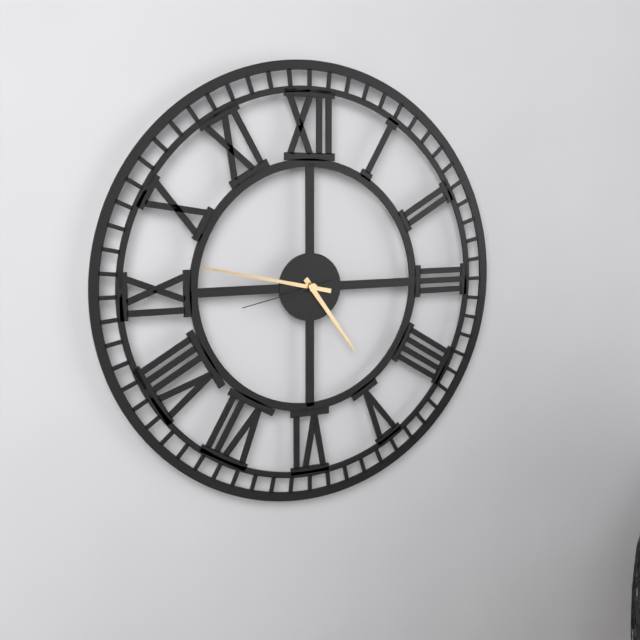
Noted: 4h47m43s
